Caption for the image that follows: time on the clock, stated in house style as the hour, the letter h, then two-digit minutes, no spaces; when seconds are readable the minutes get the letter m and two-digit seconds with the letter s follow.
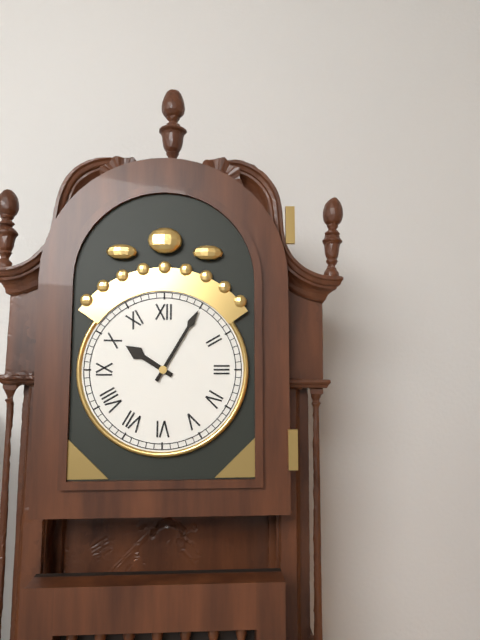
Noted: 10h05
